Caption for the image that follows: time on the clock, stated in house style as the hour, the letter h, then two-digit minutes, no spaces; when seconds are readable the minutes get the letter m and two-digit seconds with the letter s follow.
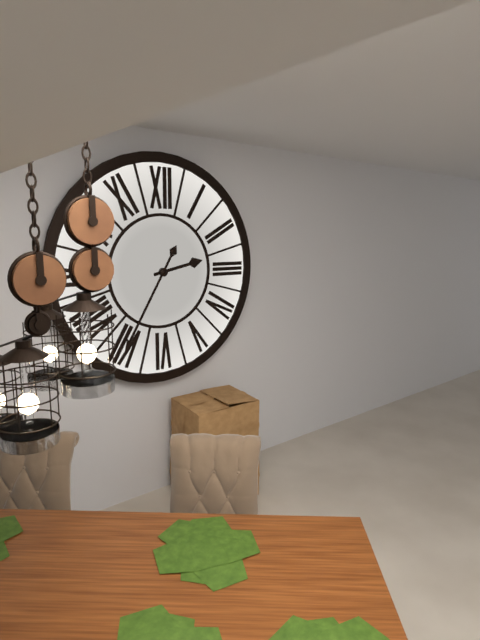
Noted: 2h35
